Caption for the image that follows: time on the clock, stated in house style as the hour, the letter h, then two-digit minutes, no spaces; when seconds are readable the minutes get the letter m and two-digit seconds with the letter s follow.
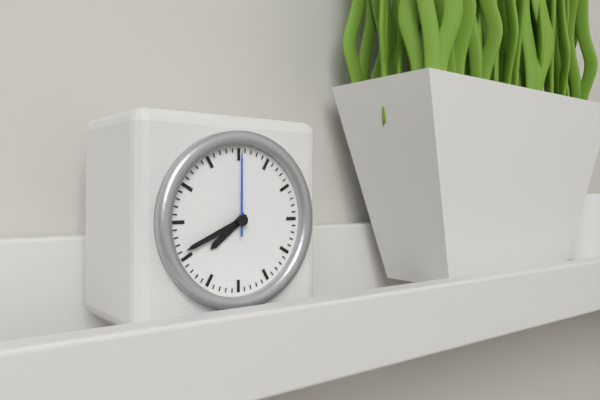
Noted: 7h41m00s
